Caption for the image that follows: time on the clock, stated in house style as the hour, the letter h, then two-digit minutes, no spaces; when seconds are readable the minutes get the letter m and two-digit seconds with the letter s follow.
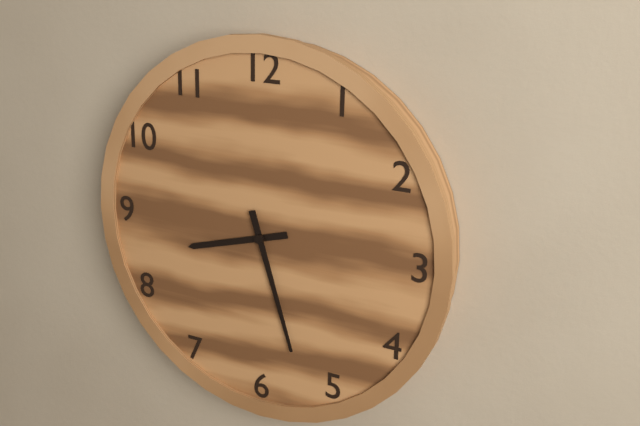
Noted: 8h27
